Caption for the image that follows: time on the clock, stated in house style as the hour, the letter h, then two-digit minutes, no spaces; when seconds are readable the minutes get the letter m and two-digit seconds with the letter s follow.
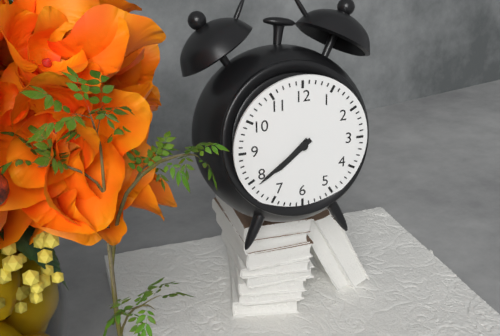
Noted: 7h39
